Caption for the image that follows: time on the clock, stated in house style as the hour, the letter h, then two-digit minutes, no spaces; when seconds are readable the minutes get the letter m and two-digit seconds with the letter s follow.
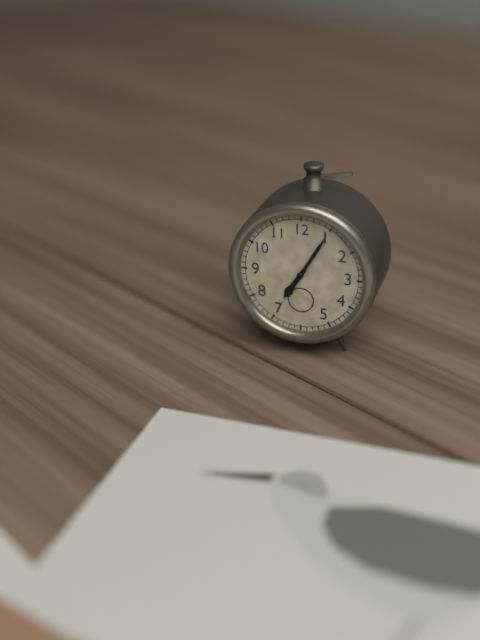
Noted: 7h05
